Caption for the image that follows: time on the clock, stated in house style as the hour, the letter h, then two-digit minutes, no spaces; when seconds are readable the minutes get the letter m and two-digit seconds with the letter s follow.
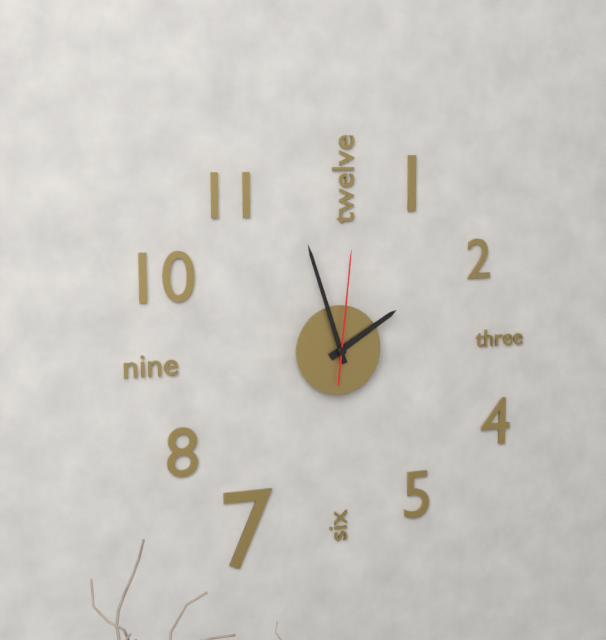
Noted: 1h57m01s
